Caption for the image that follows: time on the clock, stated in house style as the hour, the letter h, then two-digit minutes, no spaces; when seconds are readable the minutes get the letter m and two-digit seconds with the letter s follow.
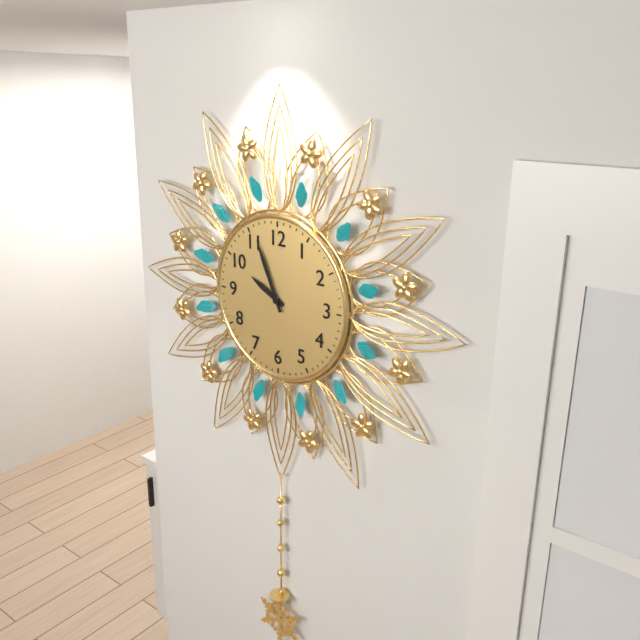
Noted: 9h56
